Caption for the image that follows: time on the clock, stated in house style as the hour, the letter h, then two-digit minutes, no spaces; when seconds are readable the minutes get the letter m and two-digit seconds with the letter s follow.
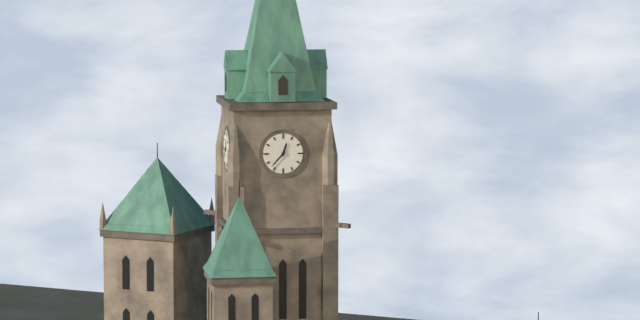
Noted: 12h37
